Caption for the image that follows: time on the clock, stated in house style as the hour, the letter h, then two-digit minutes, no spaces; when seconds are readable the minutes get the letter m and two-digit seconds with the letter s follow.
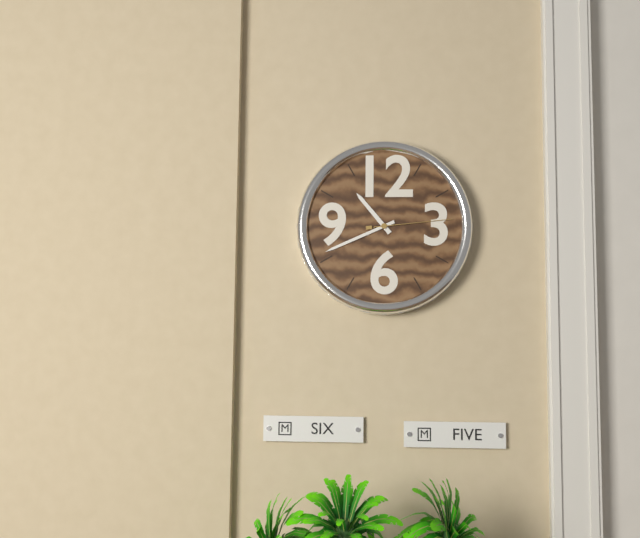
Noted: 10h41m14s
